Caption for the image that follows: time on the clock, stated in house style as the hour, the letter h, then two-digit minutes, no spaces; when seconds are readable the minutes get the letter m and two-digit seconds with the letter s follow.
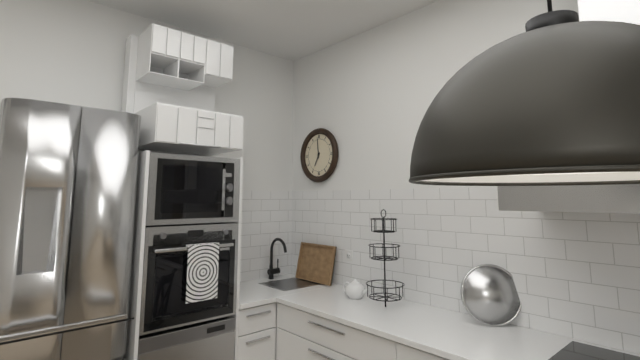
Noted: 6h59
